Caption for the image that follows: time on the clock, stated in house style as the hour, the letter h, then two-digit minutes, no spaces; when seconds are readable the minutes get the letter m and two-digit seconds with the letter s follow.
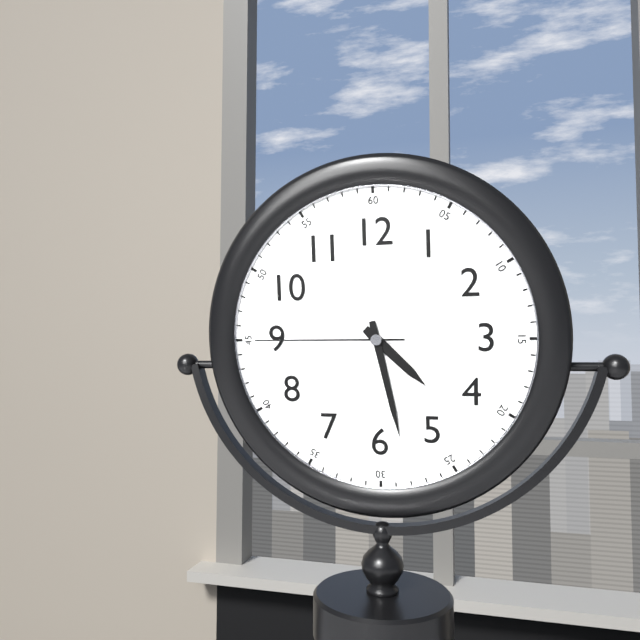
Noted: 4h28m45s
